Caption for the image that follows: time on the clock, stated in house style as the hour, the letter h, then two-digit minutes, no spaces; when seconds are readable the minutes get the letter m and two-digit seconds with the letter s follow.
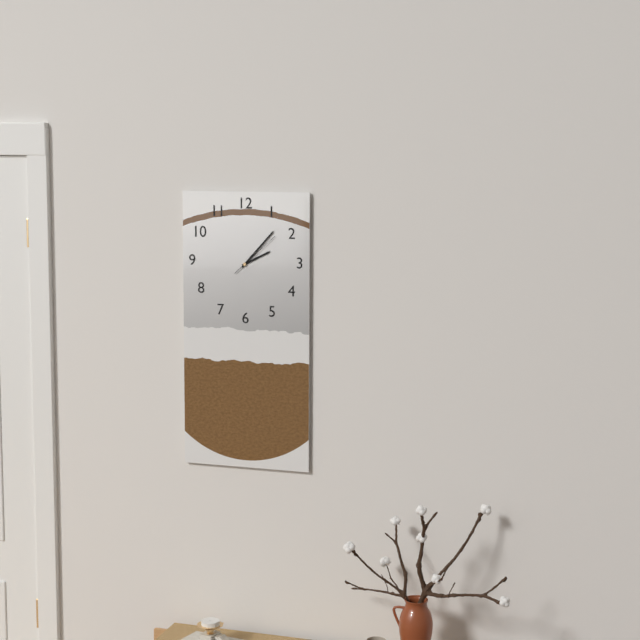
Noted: 2h07m08s
